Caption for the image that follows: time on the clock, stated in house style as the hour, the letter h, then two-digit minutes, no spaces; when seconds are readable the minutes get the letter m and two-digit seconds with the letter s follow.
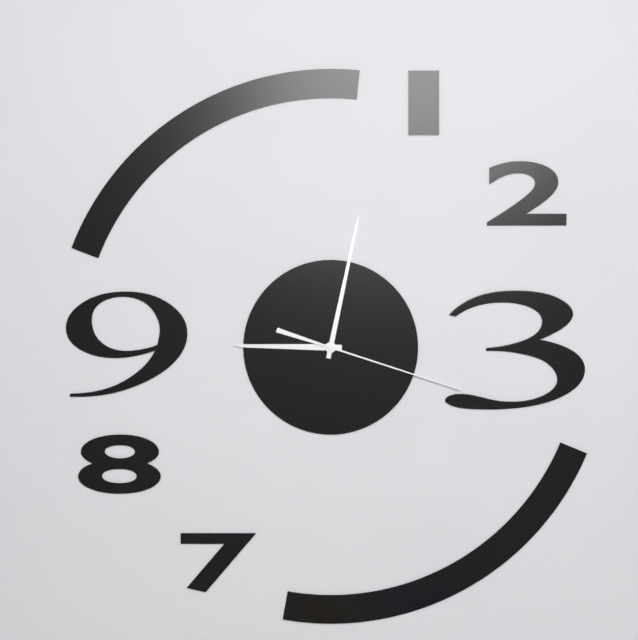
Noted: 9h02m18s
